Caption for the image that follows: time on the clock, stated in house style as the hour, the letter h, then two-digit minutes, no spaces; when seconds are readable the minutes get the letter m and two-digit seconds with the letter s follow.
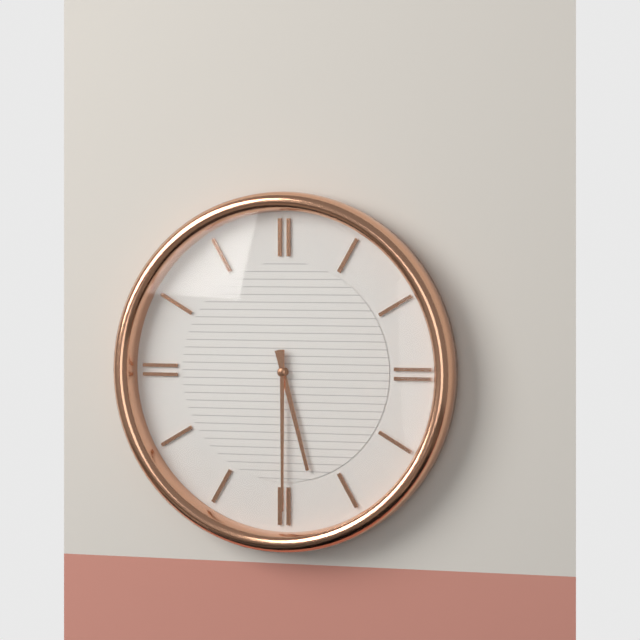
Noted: 5h30
